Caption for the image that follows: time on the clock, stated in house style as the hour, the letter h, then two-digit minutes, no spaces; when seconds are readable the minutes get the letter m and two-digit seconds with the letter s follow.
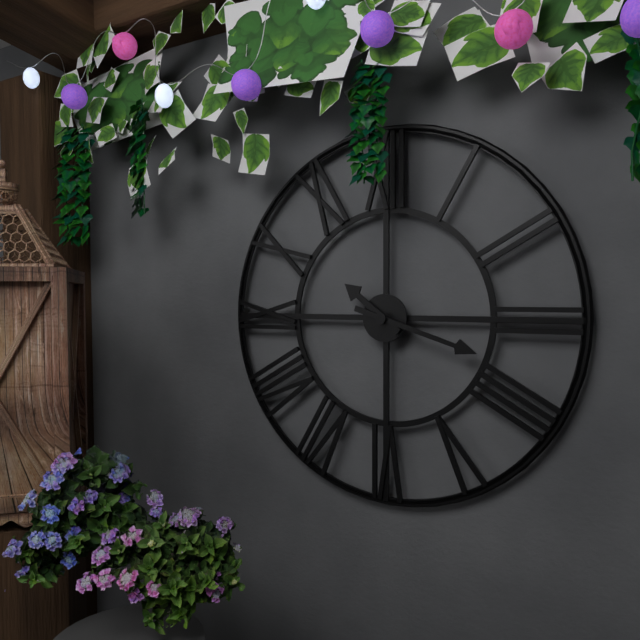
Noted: 10h18
